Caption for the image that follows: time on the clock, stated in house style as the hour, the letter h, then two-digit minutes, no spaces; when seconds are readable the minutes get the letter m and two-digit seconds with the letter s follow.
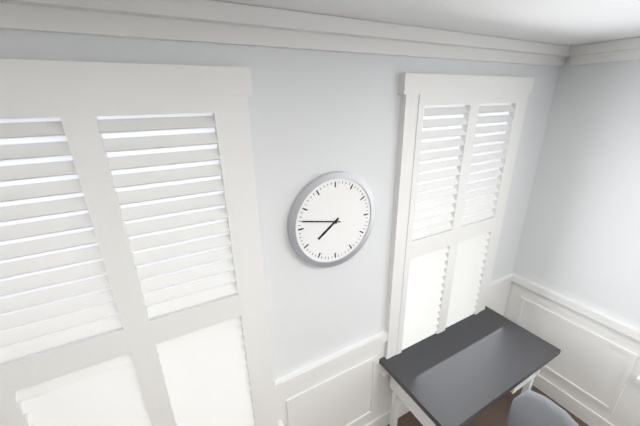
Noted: 7h47
